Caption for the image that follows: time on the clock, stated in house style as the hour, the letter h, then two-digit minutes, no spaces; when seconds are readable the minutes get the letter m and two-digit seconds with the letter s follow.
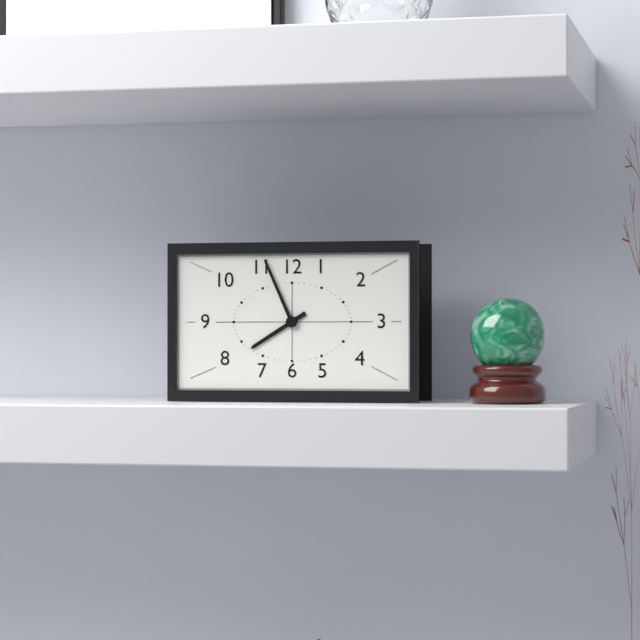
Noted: 7h56
